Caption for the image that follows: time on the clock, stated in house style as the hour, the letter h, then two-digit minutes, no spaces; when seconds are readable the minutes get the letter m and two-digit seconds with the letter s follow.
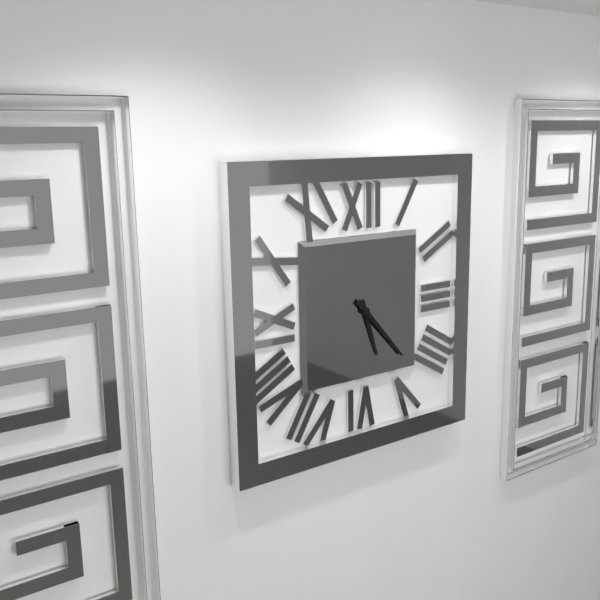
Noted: 5h23
